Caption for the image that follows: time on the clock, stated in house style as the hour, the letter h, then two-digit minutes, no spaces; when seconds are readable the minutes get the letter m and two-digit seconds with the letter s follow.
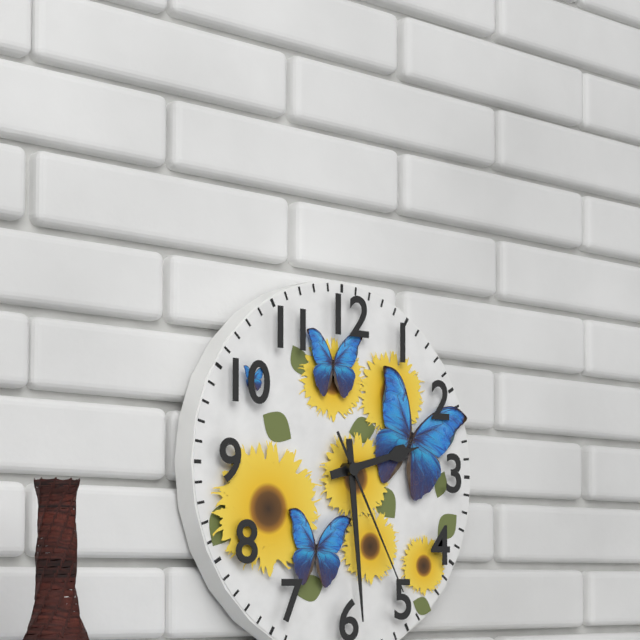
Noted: 2h29m25s
